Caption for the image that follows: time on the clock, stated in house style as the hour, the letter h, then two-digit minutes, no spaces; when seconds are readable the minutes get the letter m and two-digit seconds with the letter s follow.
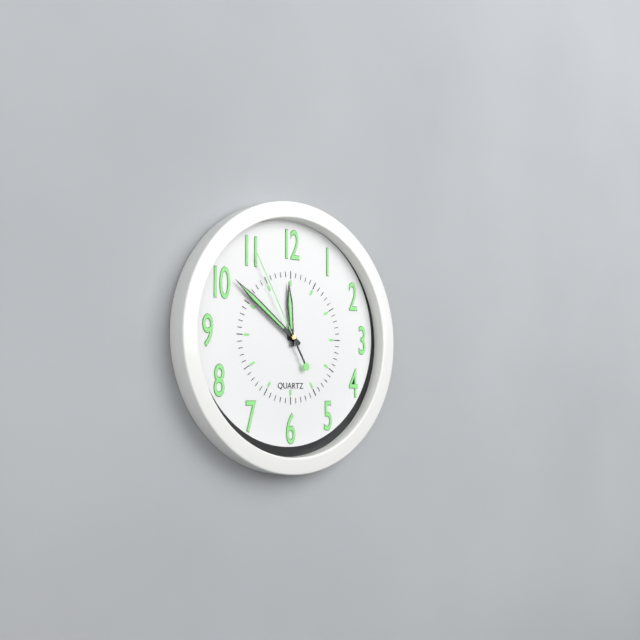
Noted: 11h51m55s
